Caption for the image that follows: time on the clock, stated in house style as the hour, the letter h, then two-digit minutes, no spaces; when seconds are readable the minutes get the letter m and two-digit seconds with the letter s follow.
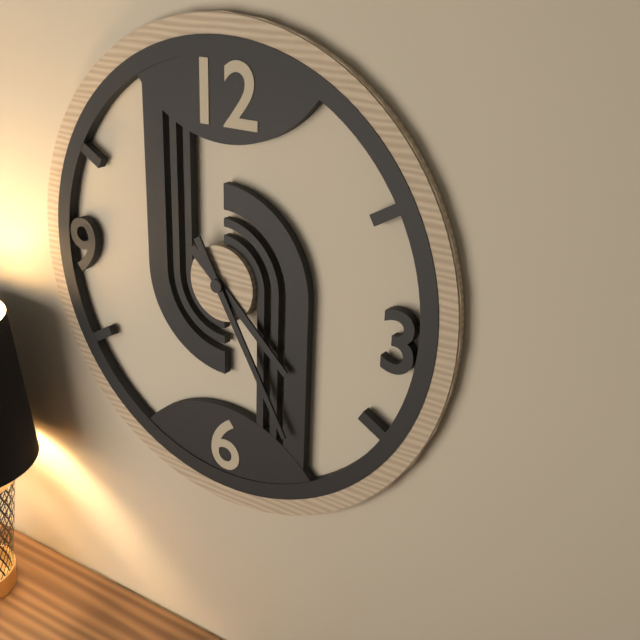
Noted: 4h25
